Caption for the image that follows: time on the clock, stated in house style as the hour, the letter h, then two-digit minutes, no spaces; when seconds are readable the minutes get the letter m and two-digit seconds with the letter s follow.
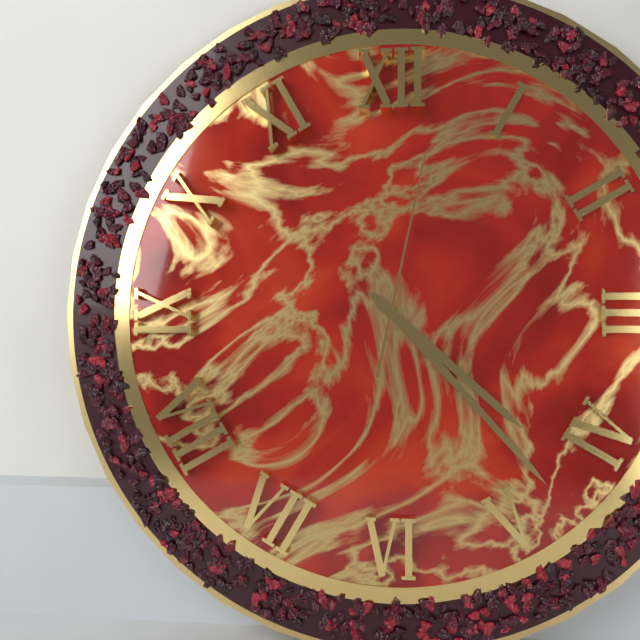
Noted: 4h23m02s
